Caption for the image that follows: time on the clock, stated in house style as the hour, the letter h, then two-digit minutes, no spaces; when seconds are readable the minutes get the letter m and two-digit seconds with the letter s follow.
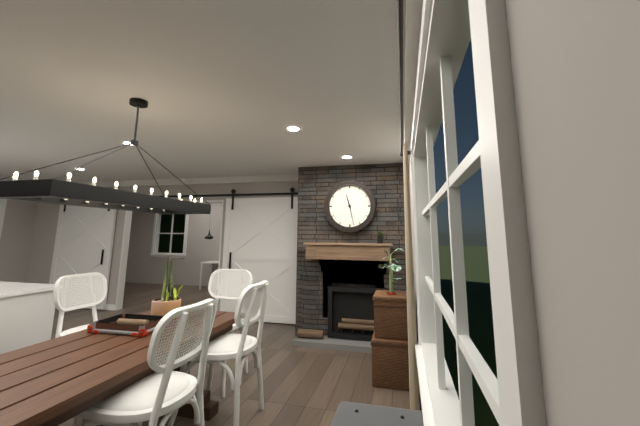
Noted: 11h28
